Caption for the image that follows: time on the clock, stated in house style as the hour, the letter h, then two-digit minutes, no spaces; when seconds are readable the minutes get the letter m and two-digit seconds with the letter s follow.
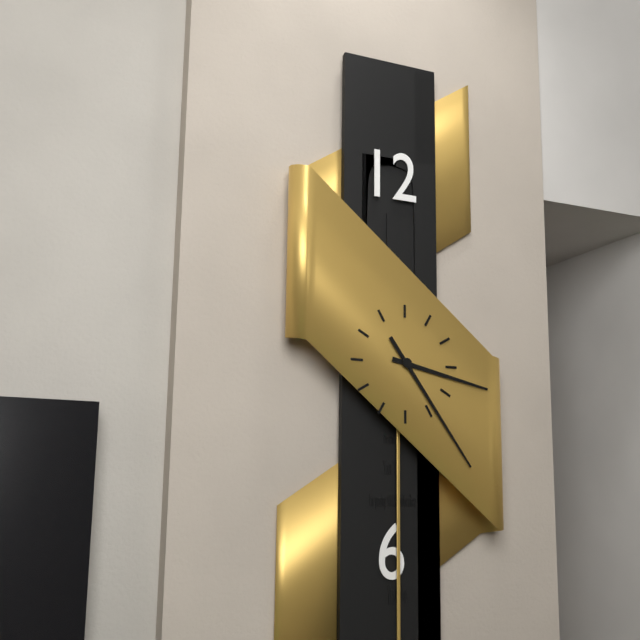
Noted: 3h24
